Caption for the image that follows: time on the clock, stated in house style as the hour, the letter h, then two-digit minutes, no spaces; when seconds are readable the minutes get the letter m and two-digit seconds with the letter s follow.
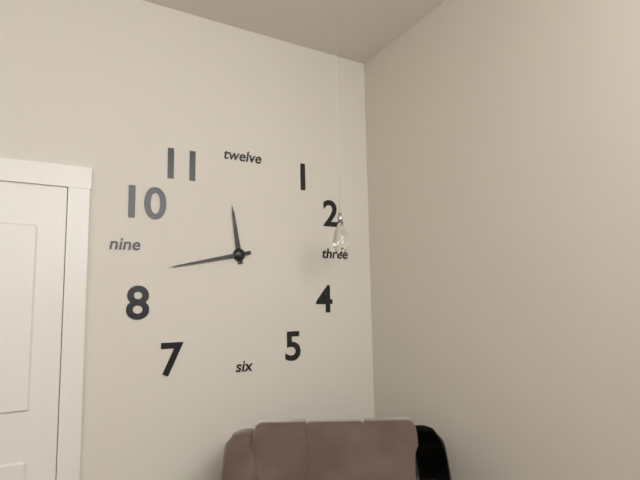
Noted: 11h43
